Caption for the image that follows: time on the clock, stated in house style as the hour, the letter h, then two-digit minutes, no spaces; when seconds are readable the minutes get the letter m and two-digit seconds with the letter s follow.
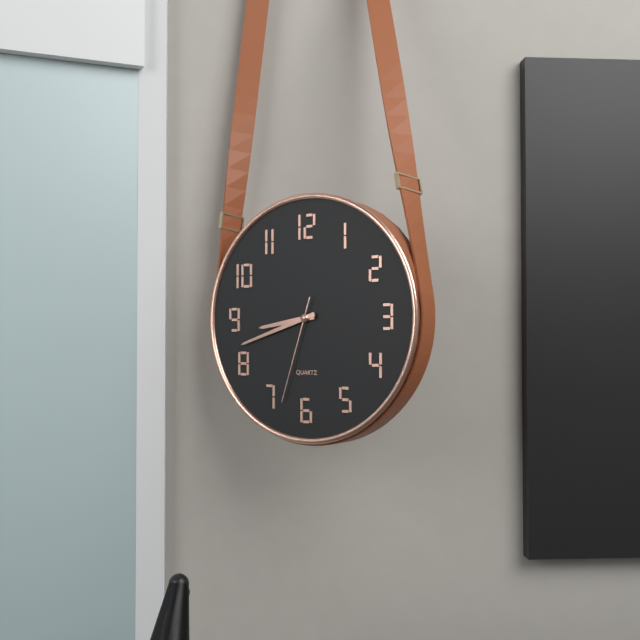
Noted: 8h42m33s
